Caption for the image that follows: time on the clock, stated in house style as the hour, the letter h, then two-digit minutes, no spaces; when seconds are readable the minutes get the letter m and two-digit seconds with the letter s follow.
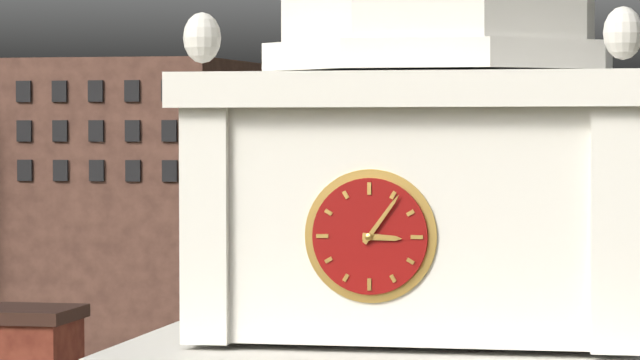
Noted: 3h06
